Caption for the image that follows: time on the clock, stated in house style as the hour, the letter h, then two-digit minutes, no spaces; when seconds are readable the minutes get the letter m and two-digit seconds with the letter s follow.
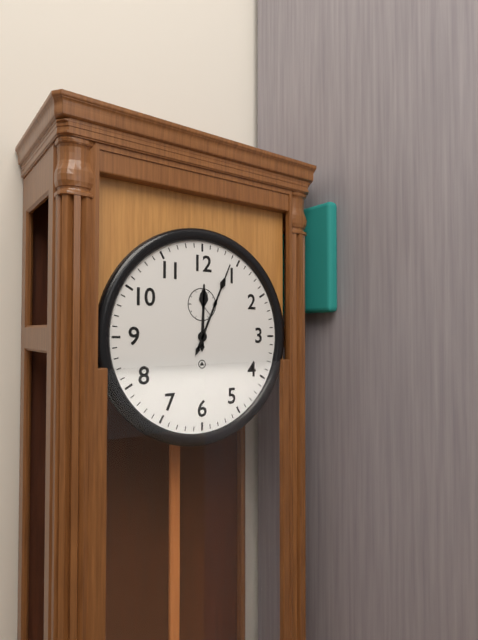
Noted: 12h04
